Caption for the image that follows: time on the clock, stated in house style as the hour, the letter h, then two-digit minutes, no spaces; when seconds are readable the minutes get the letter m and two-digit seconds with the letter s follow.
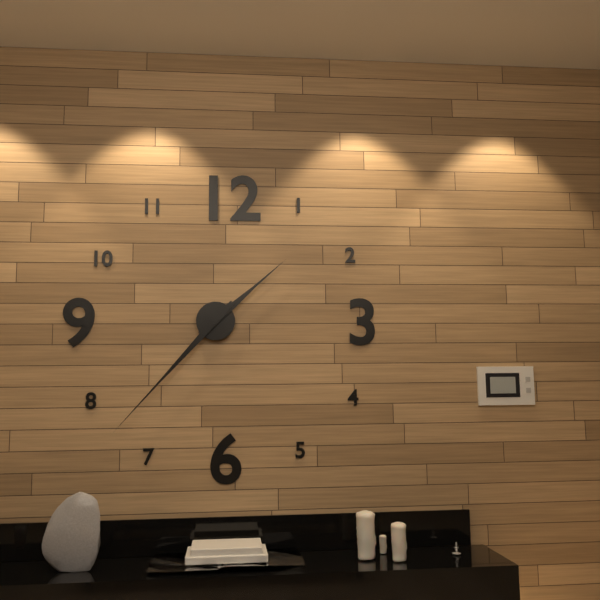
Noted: 1h37
